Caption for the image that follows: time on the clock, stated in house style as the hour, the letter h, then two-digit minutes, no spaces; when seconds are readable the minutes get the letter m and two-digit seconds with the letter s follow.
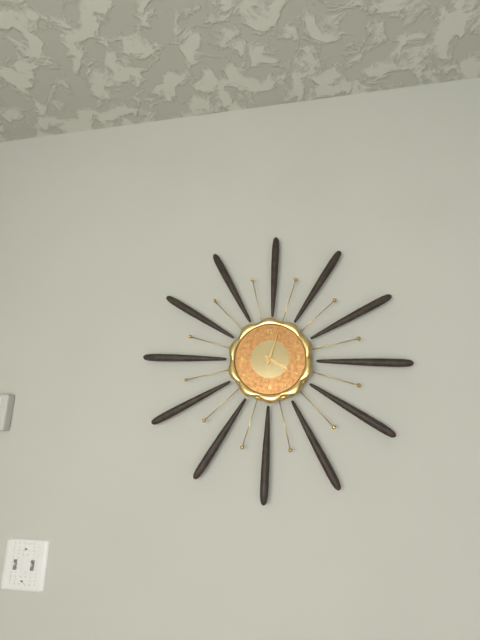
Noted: 4h03
